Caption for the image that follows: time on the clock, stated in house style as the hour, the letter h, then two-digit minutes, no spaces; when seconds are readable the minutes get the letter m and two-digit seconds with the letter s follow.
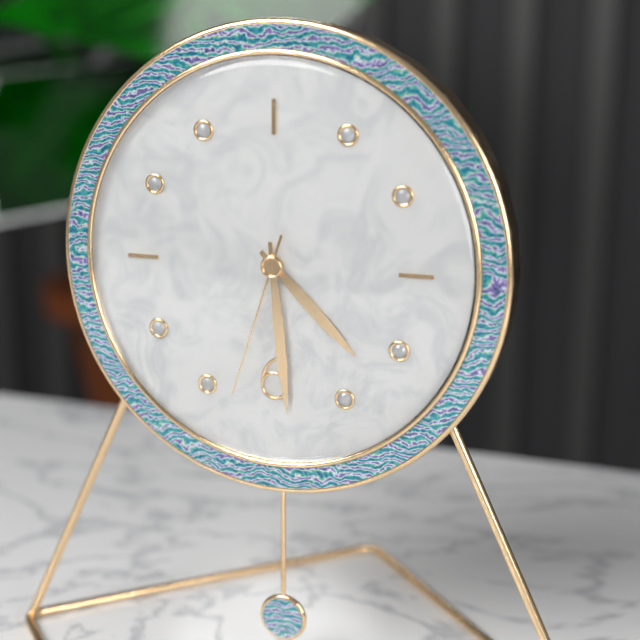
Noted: 4h29m33s
